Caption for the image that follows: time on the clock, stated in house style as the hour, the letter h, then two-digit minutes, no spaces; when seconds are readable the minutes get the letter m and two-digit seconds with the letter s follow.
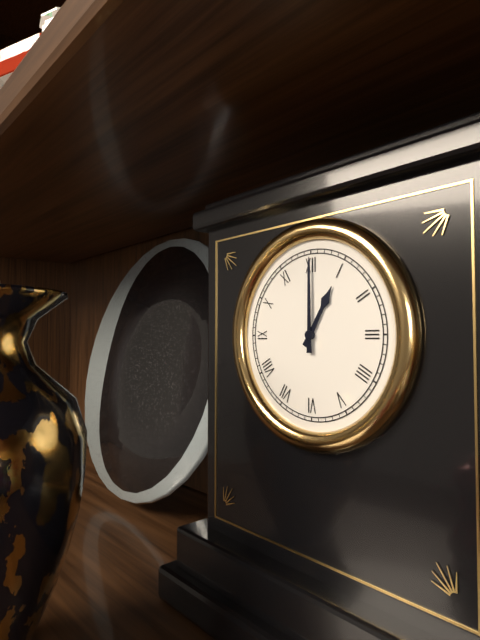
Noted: 1h00
